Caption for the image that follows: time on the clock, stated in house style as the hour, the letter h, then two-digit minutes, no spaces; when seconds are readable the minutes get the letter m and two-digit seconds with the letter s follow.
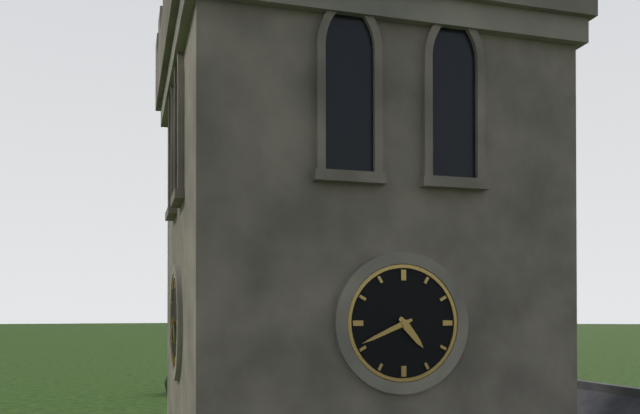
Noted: 4h41
